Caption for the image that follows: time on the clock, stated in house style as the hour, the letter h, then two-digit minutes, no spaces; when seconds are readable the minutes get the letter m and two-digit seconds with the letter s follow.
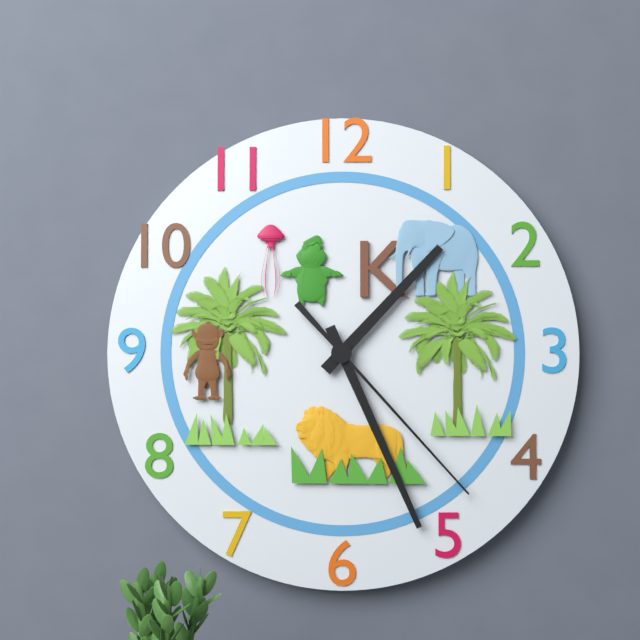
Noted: 1h26m23s
